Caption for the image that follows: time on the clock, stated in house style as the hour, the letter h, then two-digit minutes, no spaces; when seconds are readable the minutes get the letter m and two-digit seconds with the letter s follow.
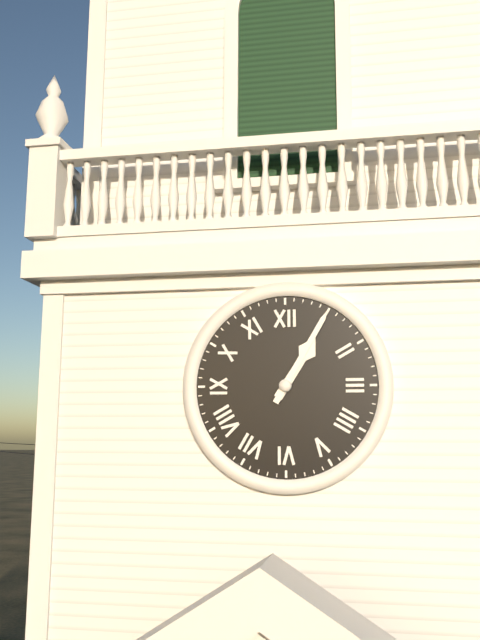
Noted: 1h05
